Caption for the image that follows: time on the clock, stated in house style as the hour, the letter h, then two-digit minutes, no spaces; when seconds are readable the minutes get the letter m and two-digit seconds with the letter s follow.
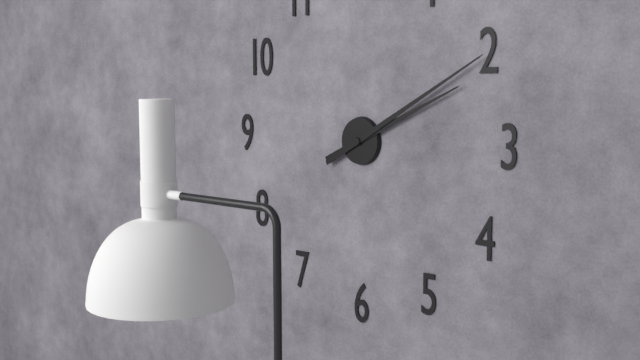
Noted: 2h10
